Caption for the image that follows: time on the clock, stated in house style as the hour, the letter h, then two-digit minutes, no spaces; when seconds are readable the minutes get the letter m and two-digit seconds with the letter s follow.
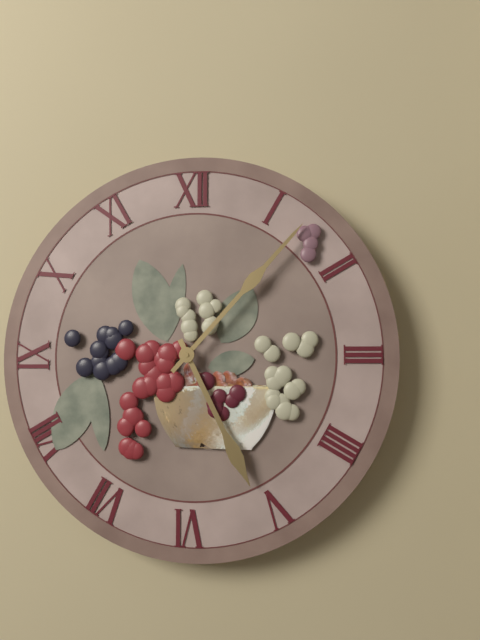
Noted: 5h07
